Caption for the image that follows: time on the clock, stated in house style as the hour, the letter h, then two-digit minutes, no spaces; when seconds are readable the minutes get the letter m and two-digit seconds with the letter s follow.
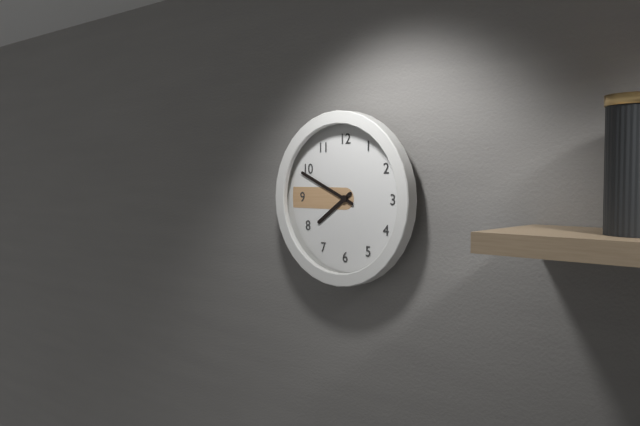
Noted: 7h49
